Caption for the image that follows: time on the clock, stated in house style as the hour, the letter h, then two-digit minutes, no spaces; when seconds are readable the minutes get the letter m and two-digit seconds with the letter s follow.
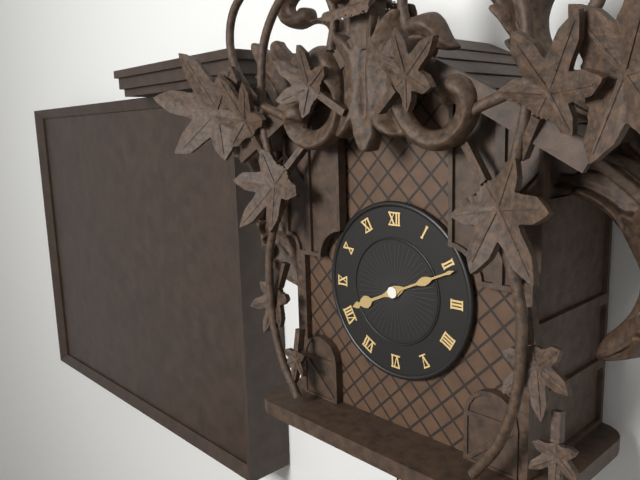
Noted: 8h11
